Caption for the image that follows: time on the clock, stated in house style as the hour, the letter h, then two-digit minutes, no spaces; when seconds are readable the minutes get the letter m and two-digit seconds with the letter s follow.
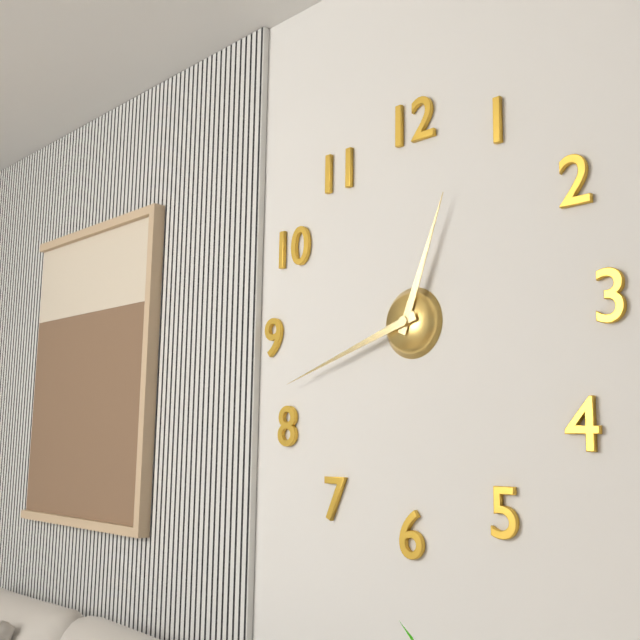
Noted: 12h42
